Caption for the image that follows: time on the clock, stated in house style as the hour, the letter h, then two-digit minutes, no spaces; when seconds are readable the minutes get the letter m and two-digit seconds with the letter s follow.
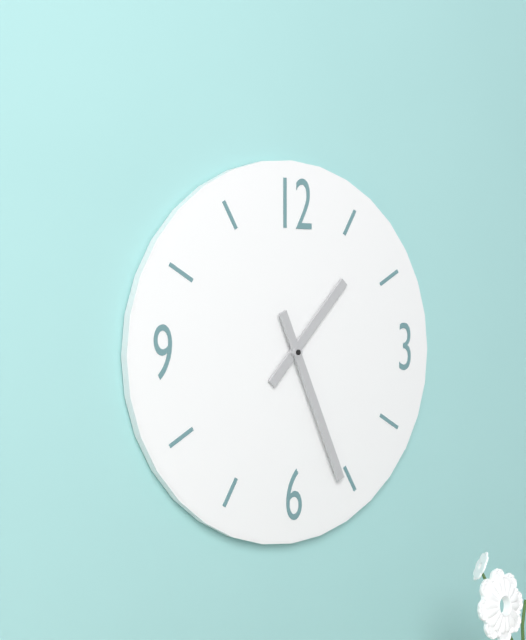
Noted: 1h26
